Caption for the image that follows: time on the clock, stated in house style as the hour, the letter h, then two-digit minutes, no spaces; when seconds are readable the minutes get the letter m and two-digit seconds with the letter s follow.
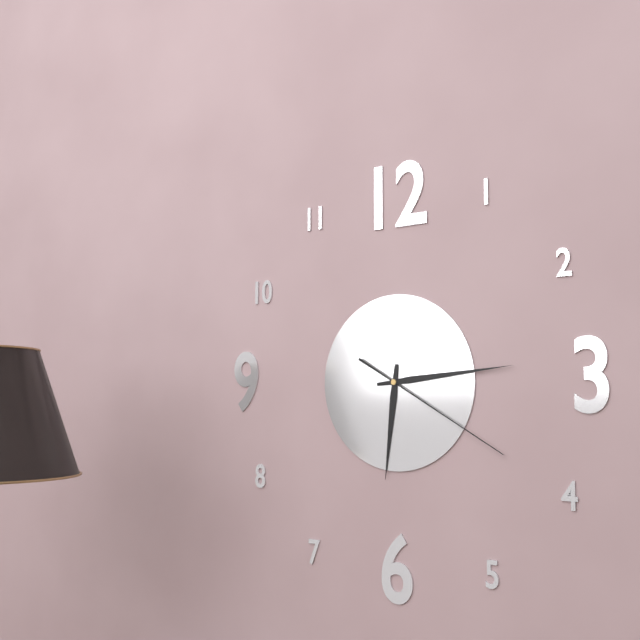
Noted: 6h14m20s
